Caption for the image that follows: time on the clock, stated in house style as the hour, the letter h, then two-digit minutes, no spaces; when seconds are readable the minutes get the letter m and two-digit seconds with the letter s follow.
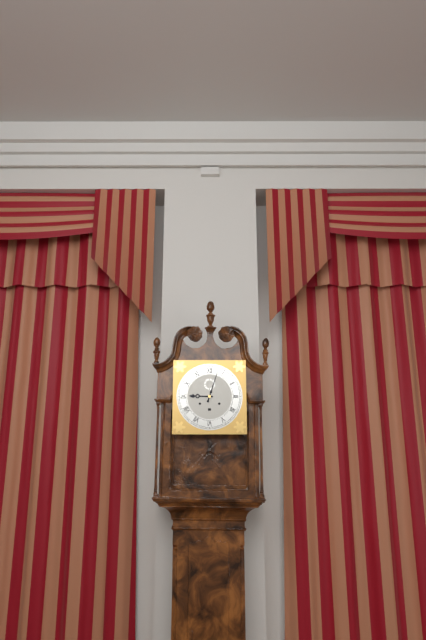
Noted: 9h03
